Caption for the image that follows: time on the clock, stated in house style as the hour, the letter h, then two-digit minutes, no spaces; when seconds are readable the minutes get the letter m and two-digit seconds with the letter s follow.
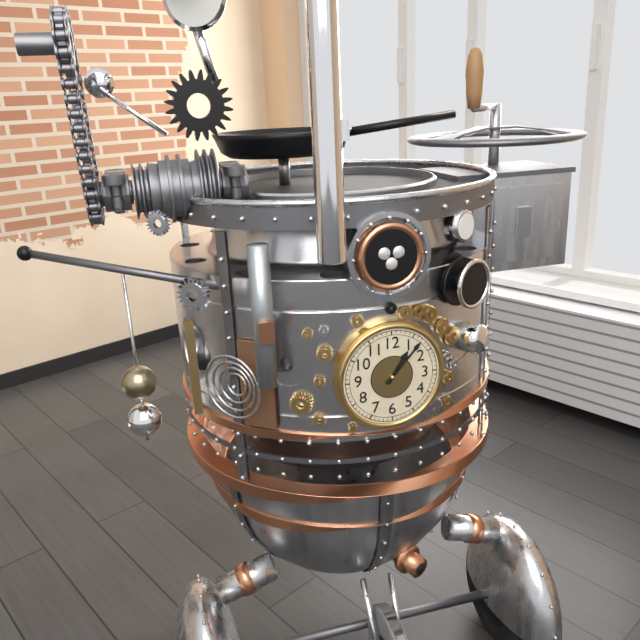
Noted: 1h07
